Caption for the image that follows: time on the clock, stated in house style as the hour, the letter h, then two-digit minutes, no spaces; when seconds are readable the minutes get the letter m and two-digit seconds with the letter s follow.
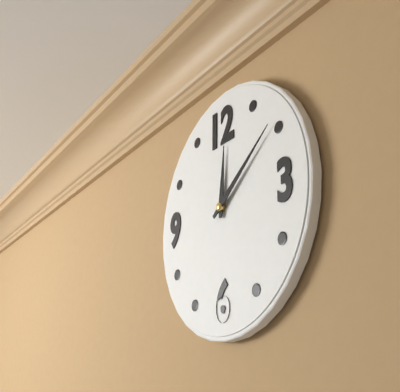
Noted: 12h09
